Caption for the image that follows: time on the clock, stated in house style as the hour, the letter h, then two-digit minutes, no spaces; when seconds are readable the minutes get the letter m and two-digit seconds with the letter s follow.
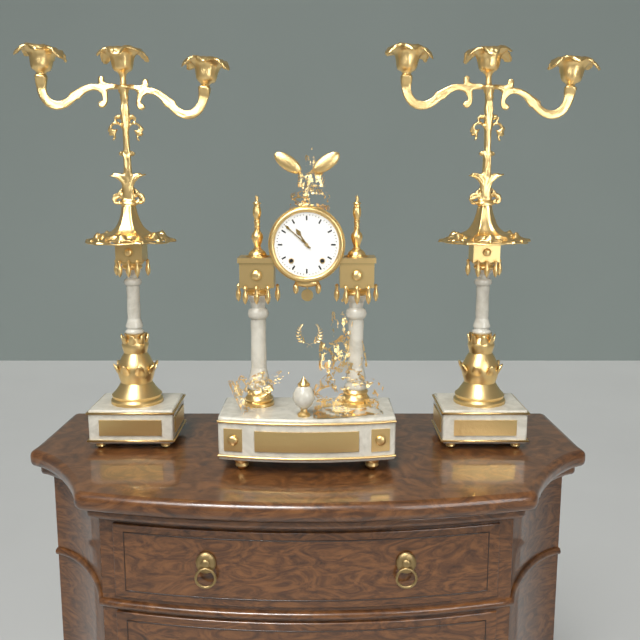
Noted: 10h52
